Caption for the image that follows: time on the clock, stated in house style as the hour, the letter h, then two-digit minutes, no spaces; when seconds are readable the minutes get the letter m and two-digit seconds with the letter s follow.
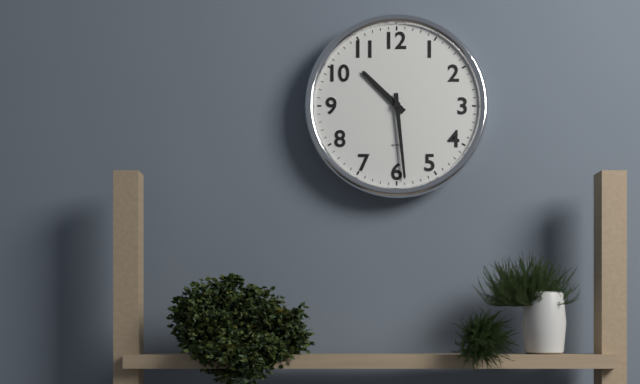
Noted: 10h29
